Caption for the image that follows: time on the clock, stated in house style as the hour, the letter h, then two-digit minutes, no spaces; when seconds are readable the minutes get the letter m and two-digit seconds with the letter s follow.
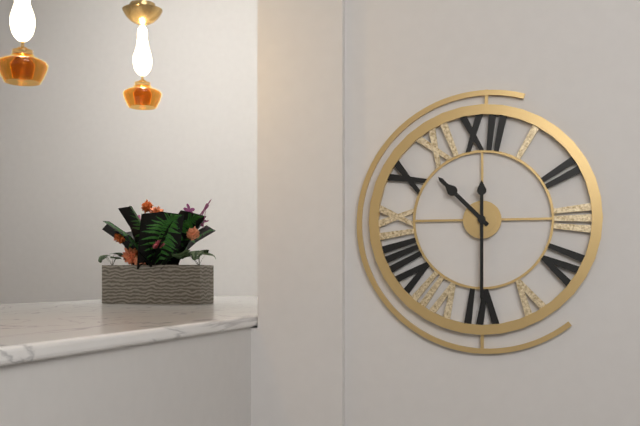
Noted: 10h30
